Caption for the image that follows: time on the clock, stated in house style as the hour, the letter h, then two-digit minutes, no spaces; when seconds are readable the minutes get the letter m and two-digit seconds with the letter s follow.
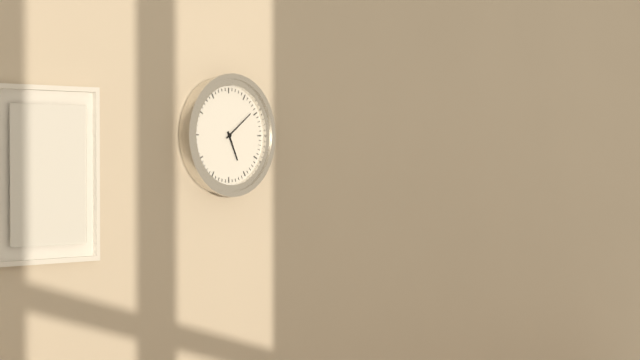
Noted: 5h09
